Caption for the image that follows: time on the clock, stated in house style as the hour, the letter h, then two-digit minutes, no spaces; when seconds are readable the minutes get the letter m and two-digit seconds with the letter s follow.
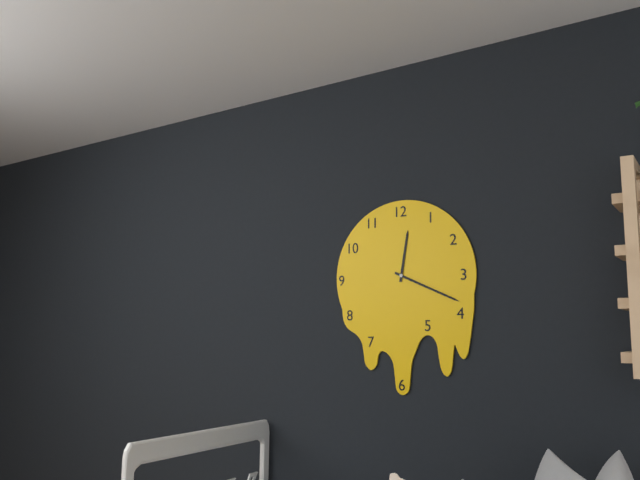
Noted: 12h19
